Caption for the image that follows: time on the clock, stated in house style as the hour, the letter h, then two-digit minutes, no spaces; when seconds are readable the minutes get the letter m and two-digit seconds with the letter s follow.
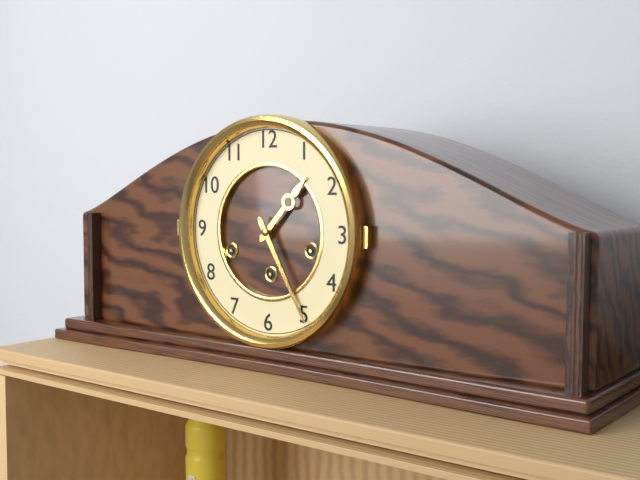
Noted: 1h25
